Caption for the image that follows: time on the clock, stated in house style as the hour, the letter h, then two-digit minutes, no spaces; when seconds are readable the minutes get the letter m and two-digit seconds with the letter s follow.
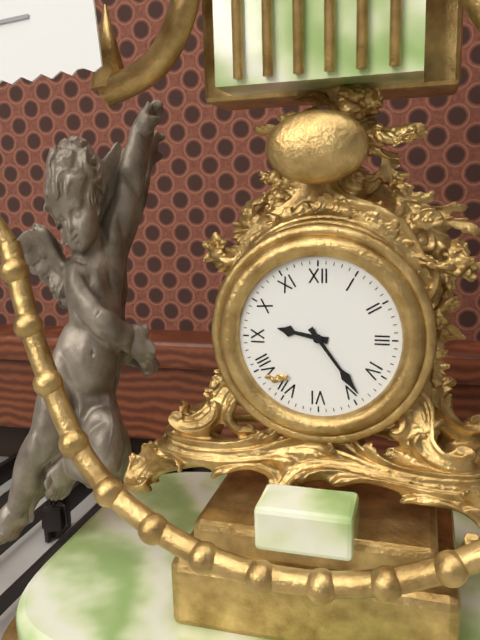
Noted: 9h24
